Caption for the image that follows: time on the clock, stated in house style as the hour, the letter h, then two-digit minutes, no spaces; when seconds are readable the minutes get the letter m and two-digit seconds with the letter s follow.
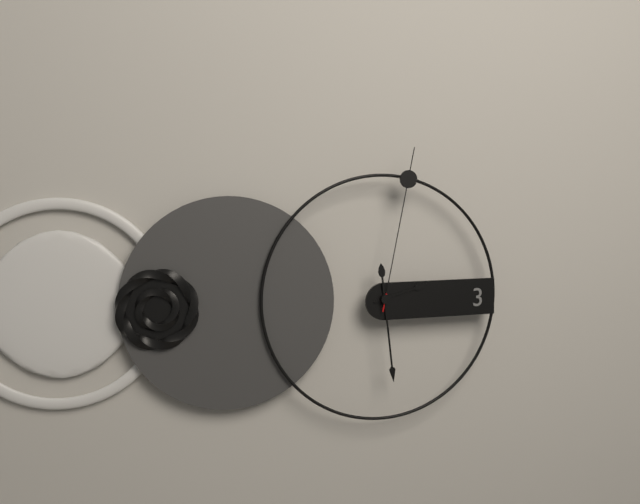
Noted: 2h29m02s
